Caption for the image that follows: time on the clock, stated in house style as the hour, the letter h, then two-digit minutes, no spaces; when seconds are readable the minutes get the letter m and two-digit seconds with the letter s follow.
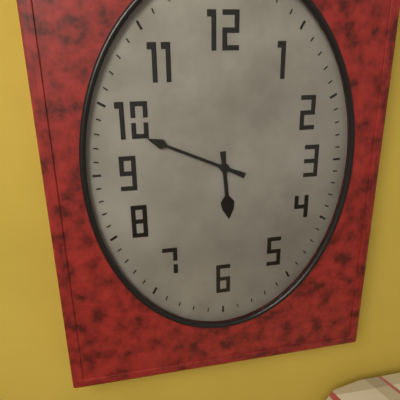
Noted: 5h49
